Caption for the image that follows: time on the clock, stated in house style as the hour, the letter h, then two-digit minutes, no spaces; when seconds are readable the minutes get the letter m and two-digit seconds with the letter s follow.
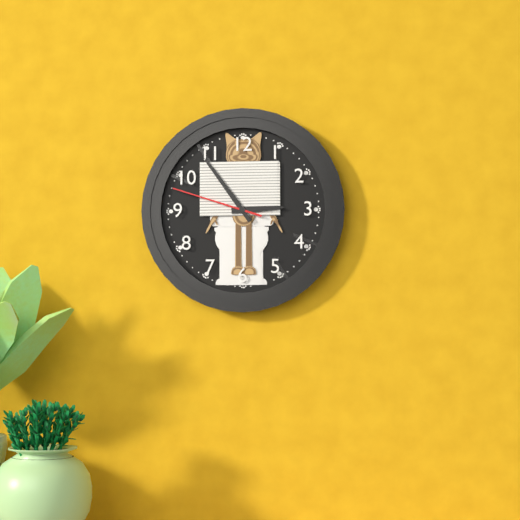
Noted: 2h54m48s
